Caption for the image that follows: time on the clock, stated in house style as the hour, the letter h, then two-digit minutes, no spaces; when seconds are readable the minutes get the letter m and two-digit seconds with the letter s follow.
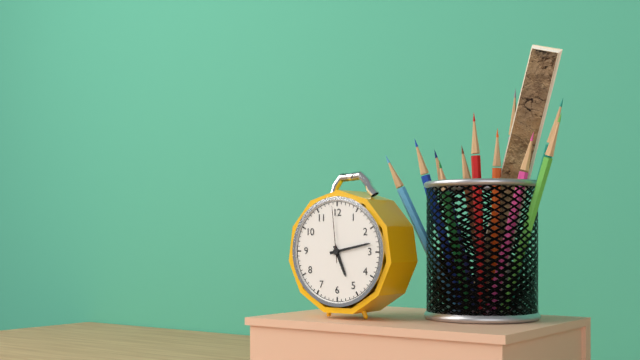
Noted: 5h13m59s
